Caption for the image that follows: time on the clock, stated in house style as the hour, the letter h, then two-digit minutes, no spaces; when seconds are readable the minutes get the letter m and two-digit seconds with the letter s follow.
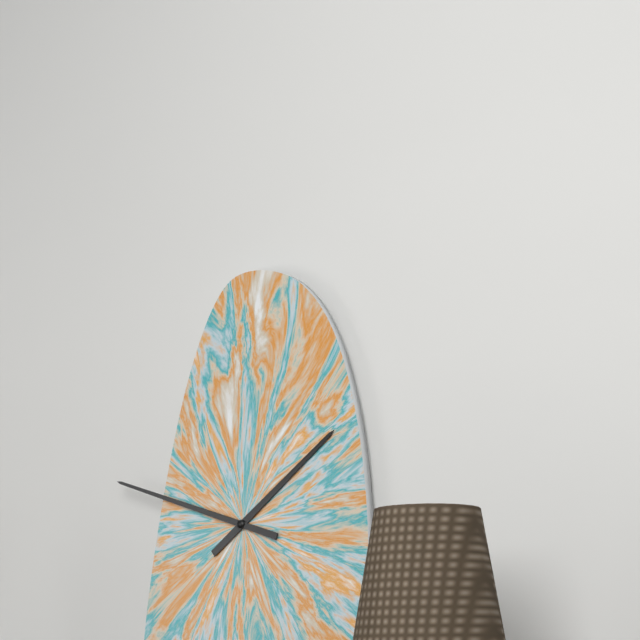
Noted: 1h48
